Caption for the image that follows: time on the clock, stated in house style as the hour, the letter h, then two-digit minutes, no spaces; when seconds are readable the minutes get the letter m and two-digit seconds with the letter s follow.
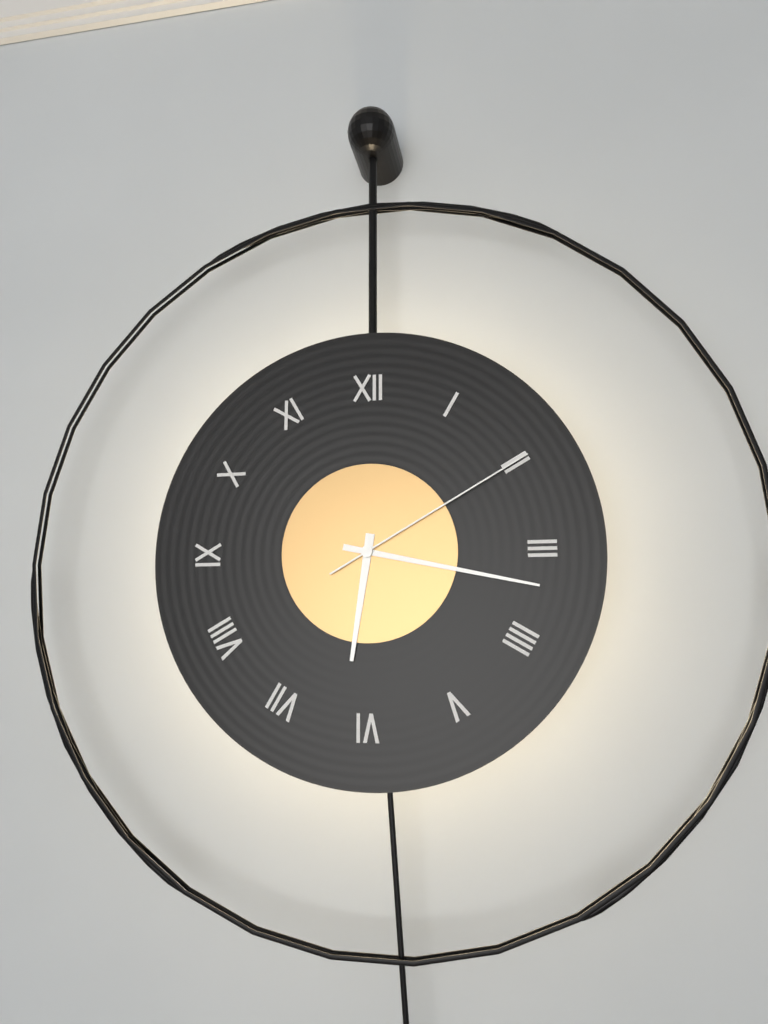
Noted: 6h17m10s
